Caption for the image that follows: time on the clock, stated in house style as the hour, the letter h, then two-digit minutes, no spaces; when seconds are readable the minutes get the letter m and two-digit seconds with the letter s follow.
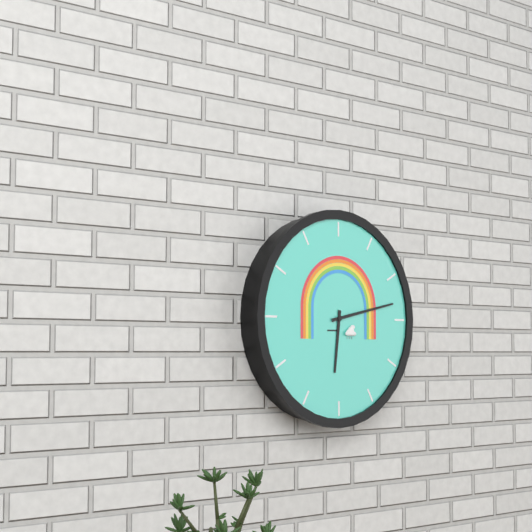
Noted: 6h13
